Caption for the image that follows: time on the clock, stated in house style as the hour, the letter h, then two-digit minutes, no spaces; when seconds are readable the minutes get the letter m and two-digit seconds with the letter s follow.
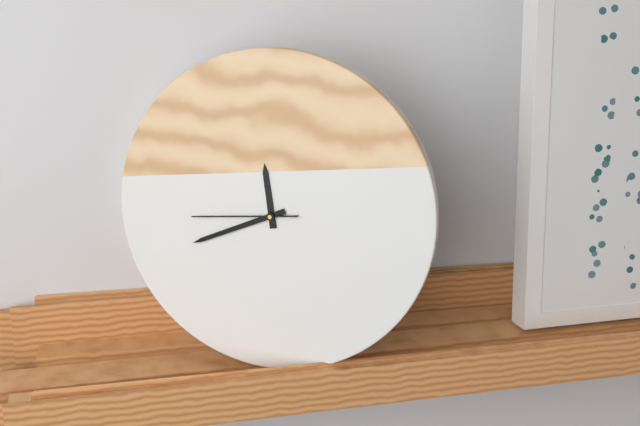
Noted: 11h41m44s
